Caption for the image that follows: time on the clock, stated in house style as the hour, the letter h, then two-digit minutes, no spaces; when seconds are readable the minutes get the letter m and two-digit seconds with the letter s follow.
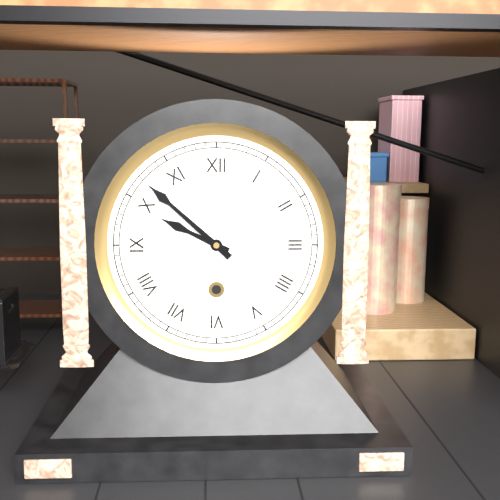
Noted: 9h52
